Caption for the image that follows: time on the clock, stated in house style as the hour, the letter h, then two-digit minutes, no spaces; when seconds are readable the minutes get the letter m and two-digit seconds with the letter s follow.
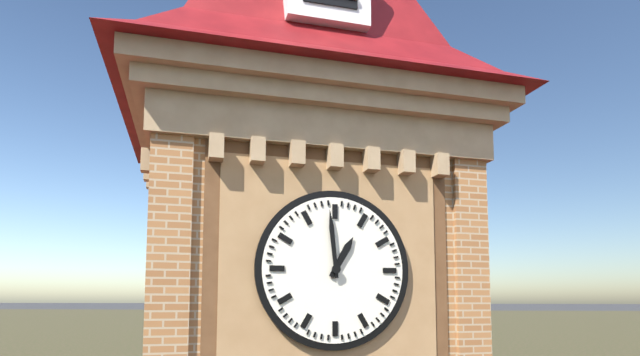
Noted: 12h59
